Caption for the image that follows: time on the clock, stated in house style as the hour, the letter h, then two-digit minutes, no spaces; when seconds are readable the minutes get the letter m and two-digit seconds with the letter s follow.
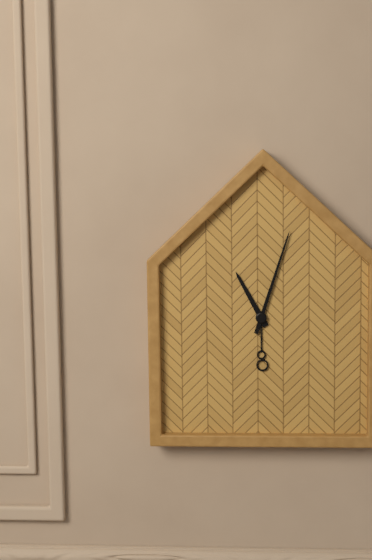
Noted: 11h03
